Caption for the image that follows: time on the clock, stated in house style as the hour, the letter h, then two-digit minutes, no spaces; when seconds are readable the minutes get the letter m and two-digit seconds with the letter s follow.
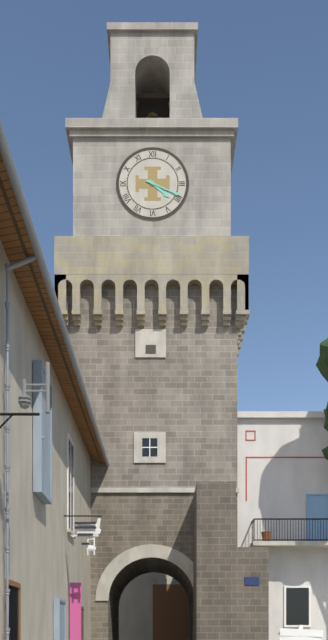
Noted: 4h19
